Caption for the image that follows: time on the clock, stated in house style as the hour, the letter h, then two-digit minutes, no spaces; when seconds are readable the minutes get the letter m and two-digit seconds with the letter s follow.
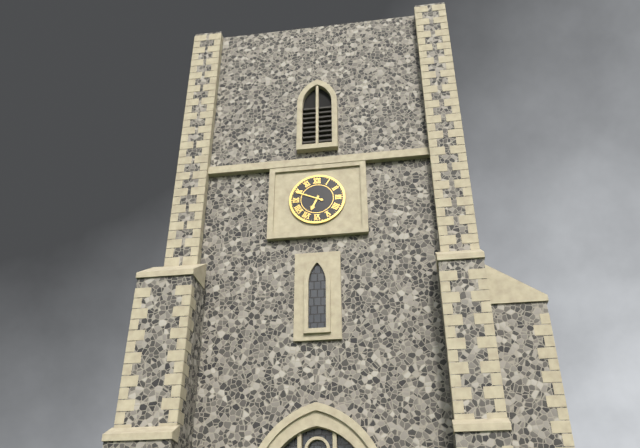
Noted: 6h49
